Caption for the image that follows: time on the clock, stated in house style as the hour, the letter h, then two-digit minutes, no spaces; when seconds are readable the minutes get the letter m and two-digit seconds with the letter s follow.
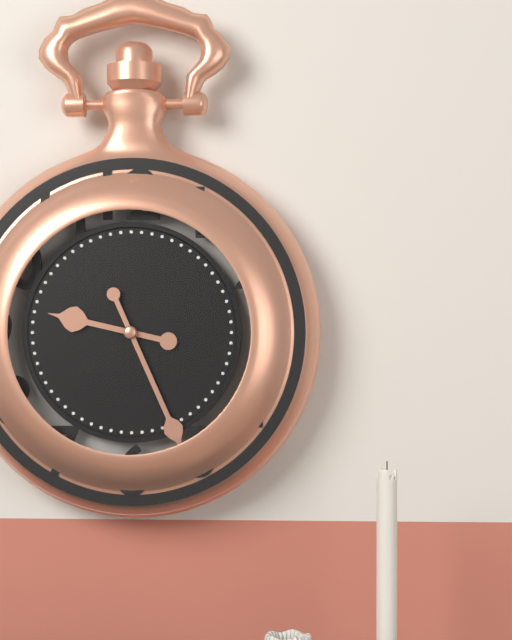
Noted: 9h26
